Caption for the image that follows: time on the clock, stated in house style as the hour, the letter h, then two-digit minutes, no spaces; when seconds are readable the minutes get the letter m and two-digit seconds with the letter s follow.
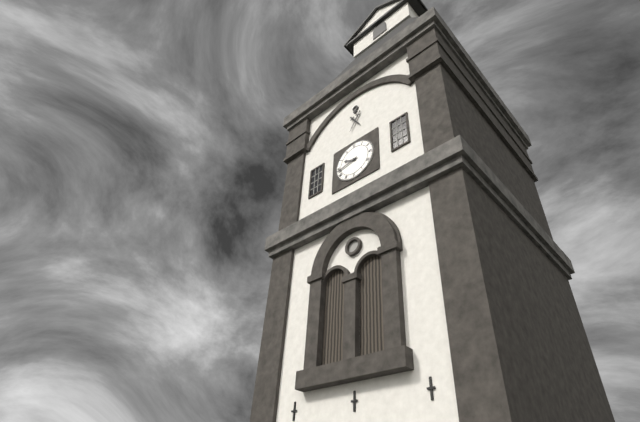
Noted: 9h43
